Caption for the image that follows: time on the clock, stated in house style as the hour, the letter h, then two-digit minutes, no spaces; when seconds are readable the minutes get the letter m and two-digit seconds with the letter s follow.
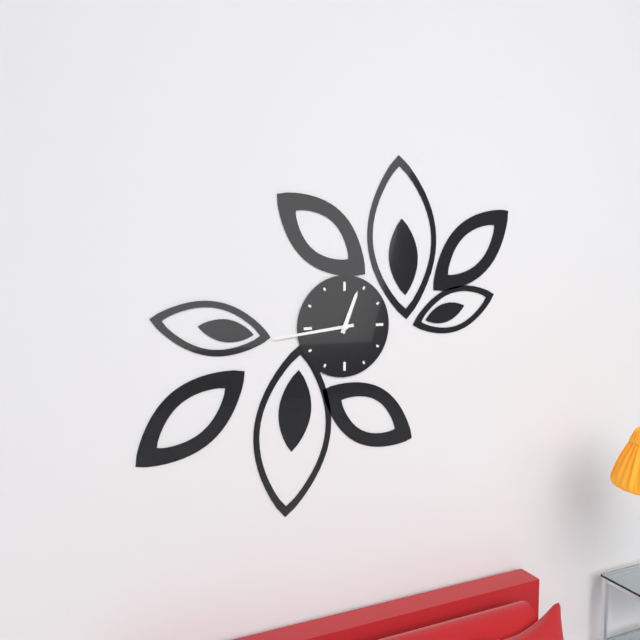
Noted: 12h44
